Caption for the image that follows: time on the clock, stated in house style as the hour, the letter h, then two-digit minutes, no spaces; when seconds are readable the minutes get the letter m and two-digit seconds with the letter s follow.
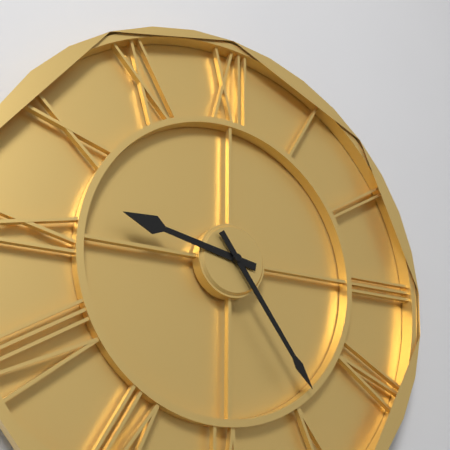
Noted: 9h24
